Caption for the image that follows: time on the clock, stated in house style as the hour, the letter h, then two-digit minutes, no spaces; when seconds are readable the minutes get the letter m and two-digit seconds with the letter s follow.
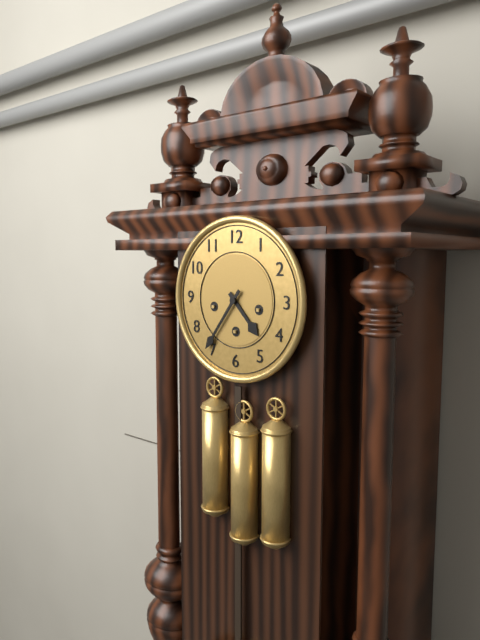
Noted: 4h36
